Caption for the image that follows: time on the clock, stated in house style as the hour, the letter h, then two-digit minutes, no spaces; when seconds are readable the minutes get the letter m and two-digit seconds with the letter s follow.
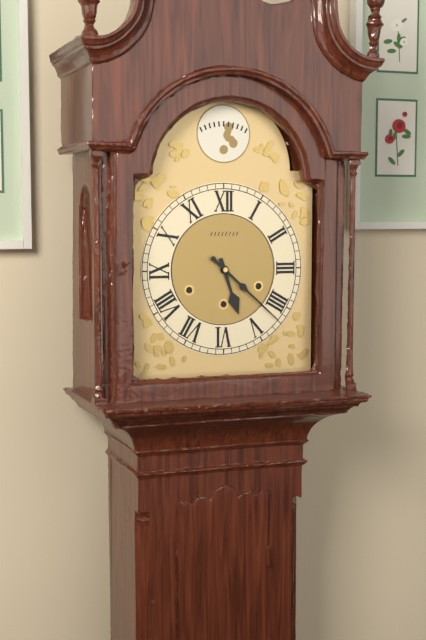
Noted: 5h22
